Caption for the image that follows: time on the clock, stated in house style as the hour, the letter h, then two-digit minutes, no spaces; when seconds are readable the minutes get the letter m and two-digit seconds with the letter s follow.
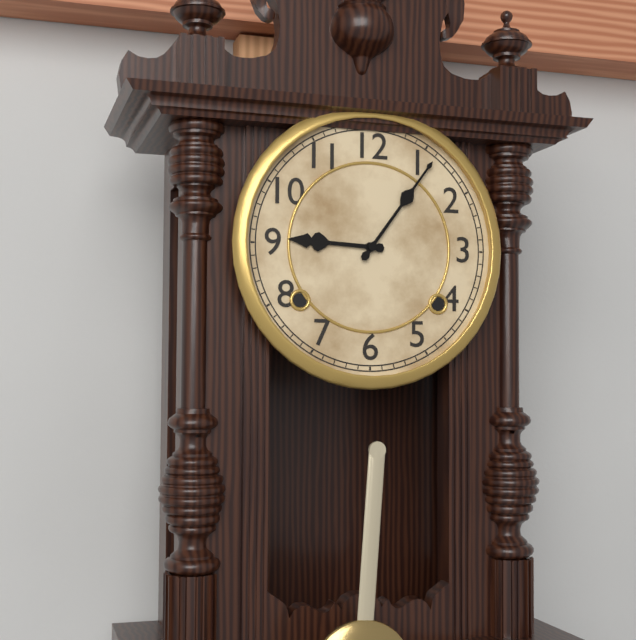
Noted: 9h06
